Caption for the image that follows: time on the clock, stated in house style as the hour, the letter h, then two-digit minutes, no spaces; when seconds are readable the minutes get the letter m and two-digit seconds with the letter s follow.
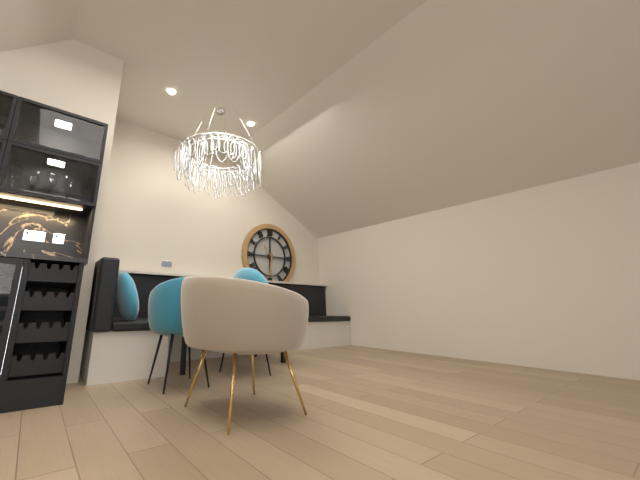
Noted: 10h31
